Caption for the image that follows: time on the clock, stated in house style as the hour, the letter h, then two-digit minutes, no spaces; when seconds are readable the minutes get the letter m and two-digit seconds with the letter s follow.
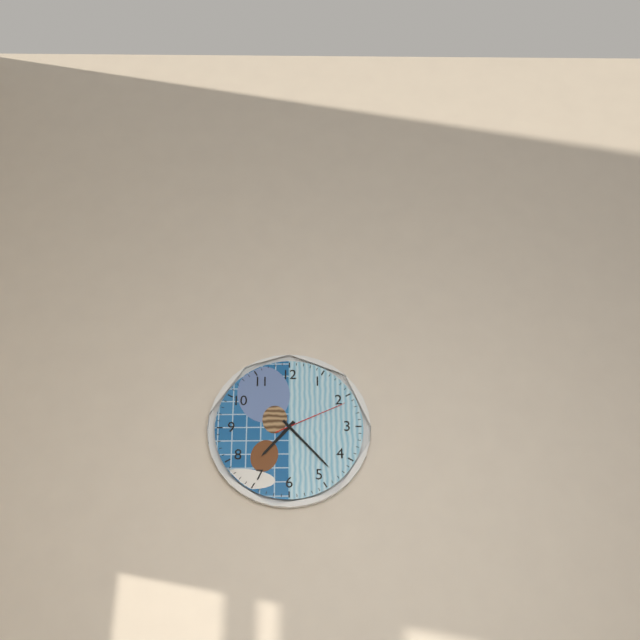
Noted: 7h23m11s
